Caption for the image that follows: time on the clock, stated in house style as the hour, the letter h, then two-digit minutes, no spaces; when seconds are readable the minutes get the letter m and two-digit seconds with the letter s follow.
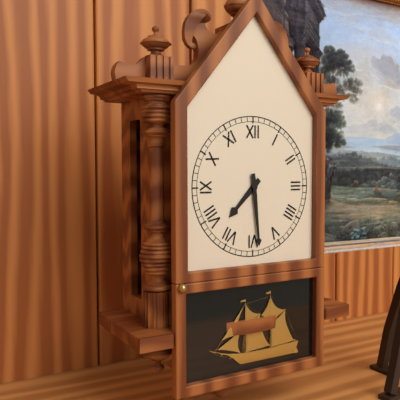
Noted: 7h29
